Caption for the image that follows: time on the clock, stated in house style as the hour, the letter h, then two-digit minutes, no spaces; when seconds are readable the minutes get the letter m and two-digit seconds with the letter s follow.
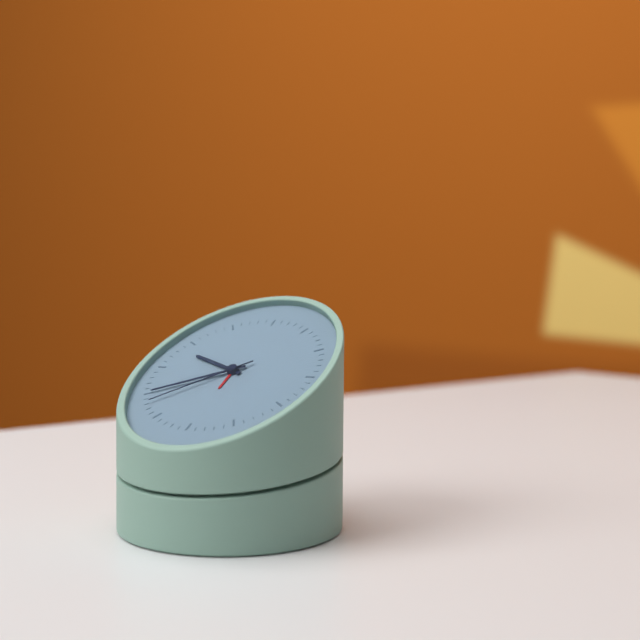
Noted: 9h40m38s
